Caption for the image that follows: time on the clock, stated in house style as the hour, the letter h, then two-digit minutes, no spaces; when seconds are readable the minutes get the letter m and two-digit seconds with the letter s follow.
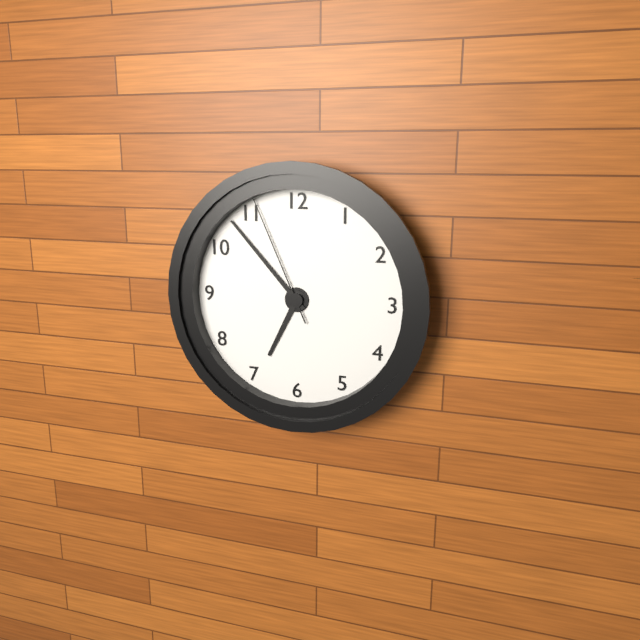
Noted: 6h53m56s
